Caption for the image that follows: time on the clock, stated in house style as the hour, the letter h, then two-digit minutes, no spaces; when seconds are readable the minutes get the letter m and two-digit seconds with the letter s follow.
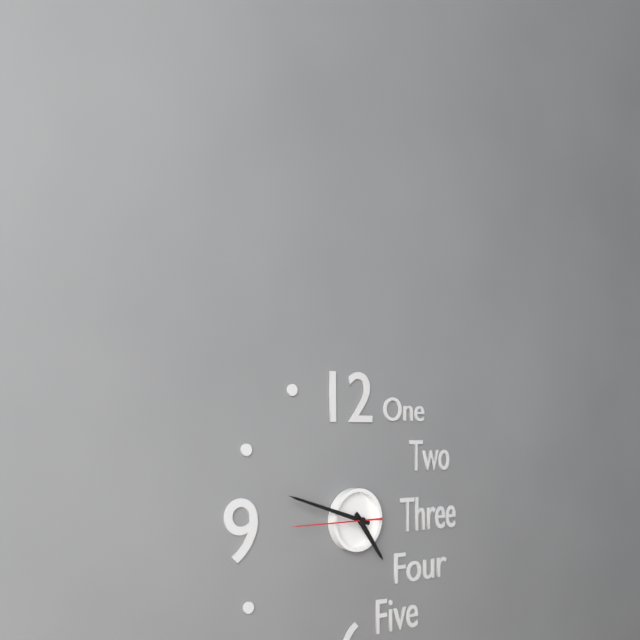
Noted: 4h48m45s
